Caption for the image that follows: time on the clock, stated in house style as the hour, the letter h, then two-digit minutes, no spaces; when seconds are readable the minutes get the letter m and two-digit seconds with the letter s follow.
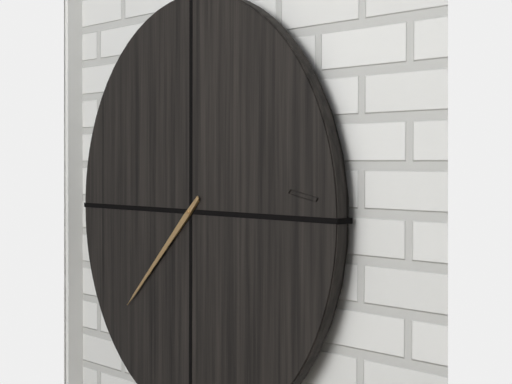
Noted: 7h38
